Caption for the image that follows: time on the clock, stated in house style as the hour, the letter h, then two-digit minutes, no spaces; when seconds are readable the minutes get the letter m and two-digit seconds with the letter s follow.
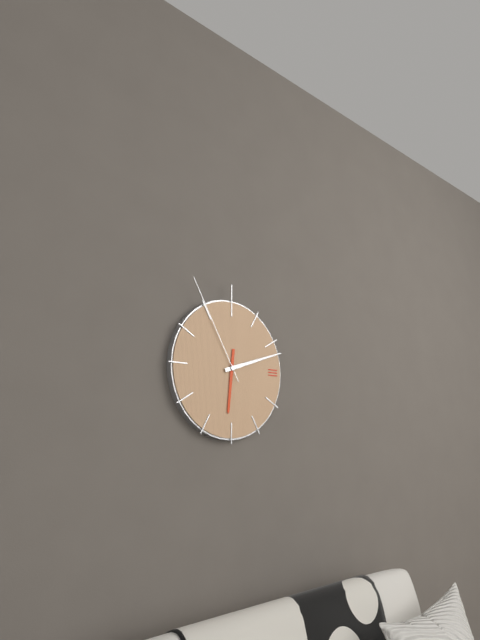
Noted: 6h12m55s
